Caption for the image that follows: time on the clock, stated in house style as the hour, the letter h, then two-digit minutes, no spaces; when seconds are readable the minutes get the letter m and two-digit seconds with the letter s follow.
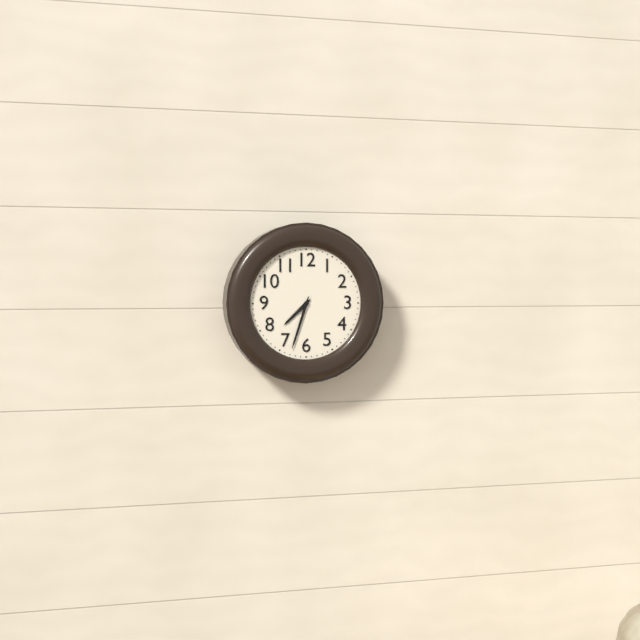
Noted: 7h33
